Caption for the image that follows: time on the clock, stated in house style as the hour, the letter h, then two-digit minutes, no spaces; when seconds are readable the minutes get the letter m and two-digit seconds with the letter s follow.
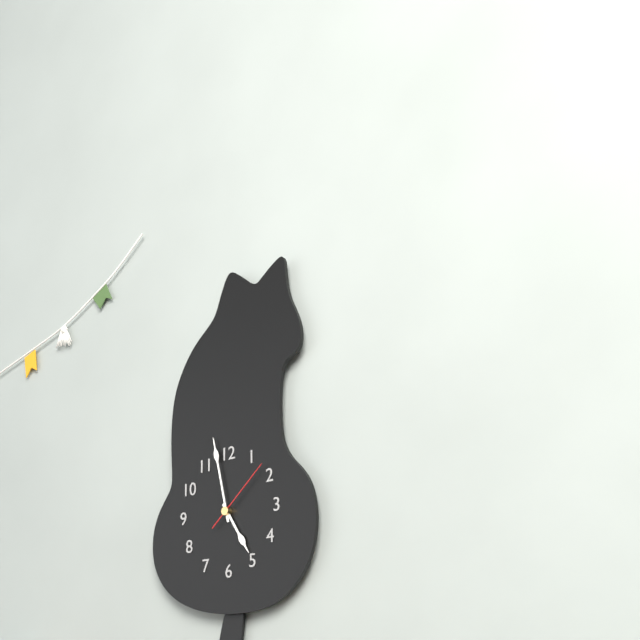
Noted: 4h58m08s
